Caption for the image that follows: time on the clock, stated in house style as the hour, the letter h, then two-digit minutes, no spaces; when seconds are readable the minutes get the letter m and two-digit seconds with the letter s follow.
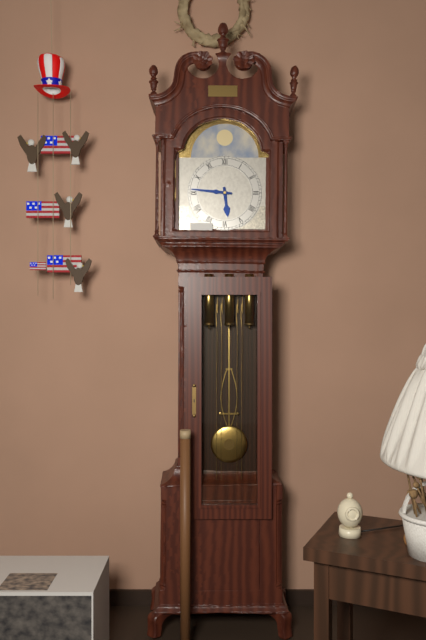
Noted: 5h46
